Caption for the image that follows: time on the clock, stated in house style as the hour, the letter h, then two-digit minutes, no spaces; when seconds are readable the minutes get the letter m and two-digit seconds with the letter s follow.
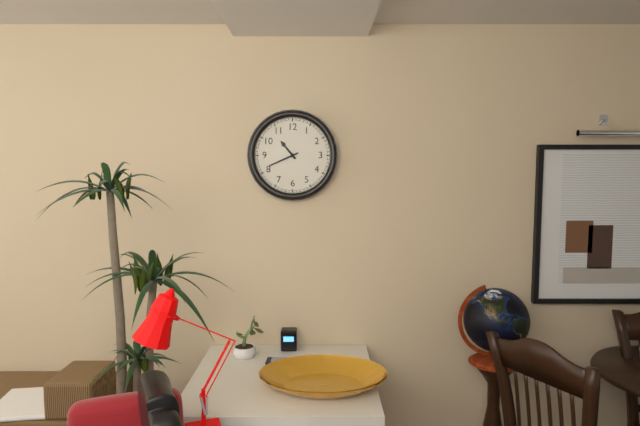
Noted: 10h41
